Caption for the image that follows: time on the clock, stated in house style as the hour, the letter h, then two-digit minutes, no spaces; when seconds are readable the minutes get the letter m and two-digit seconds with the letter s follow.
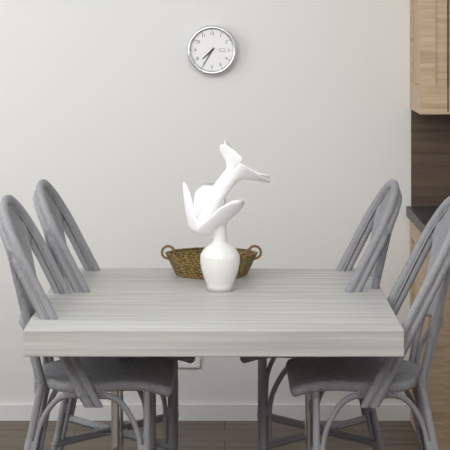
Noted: 7h35
